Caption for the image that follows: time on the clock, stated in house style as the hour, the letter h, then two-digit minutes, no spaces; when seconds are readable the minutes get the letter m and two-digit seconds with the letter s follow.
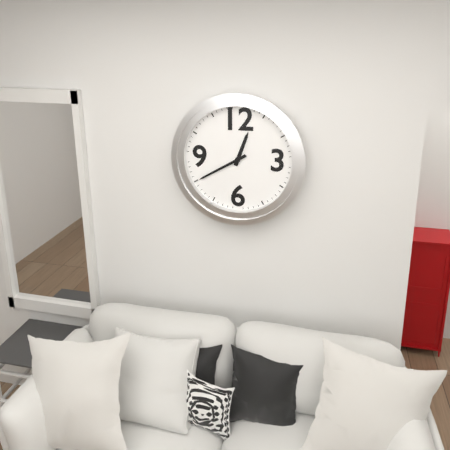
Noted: 12h40
